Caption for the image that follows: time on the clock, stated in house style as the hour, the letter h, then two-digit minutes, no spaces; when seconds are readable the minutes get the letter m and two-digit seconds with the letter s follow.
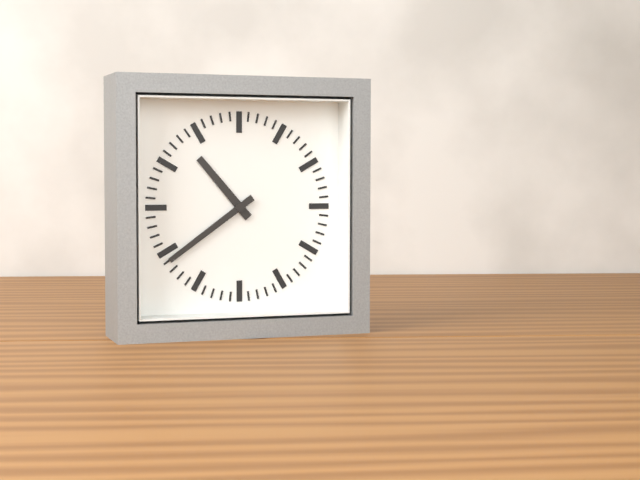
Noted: 10h39
